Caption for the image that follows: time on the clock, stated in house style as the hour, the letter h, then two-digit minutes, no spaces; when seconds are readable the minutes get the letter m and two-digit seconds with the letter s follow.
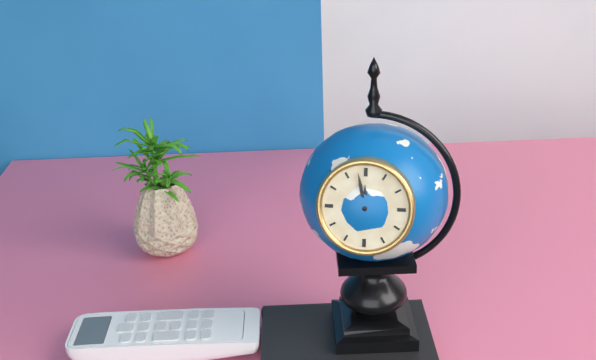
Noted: 11h58
